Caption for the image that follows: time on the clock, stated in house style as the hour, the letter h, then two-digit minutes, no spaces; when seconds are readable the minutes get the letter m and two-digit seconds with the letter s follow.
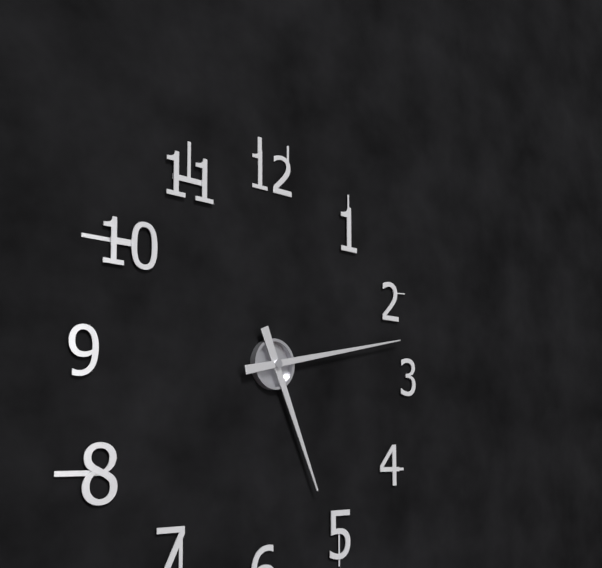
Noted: 5h13
